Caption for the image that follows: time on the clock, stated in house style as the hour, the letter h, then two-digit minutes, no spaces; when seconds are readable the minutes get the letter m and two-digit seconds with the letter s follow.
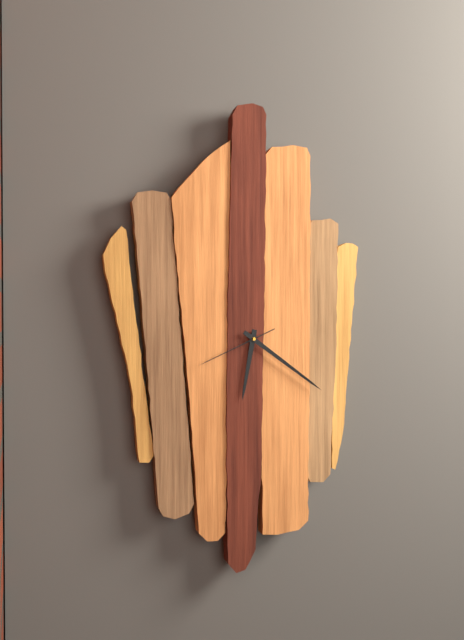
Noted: 6h21m41s
